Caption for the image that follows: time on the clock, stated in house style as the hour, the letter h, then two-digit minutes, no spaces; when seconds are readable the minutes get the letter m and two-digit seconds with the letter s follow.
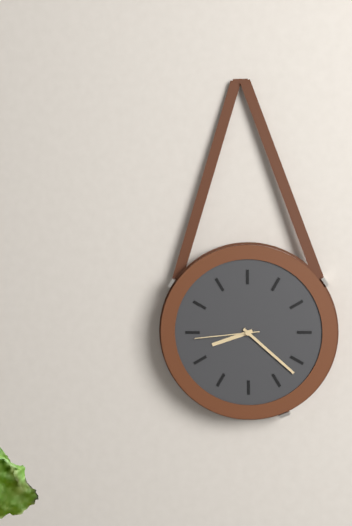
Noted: 8h22m44s
